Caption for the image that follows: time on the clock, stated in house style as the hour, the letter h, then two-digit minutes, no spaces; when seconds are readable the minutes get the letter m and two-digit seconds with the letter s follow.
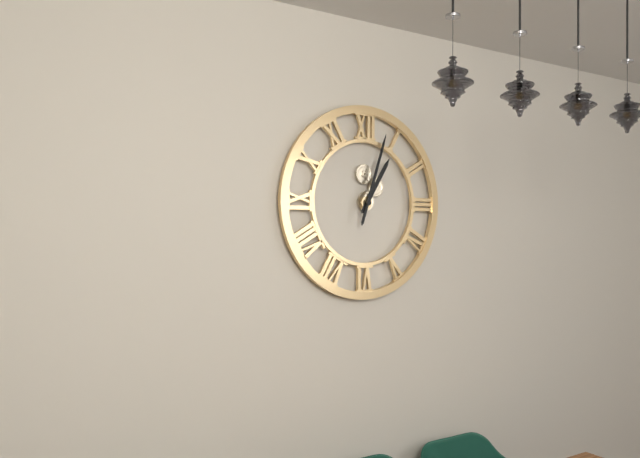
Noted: 1h03
